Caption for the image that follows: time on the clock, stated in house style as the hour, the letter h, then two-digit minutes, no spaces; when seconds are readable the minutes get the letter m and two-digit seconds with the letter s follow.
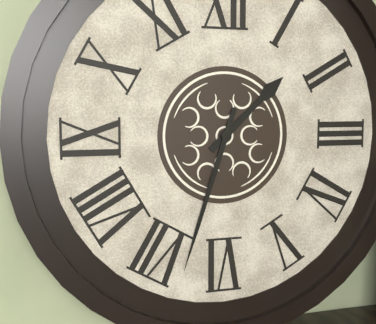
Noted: 1h33
